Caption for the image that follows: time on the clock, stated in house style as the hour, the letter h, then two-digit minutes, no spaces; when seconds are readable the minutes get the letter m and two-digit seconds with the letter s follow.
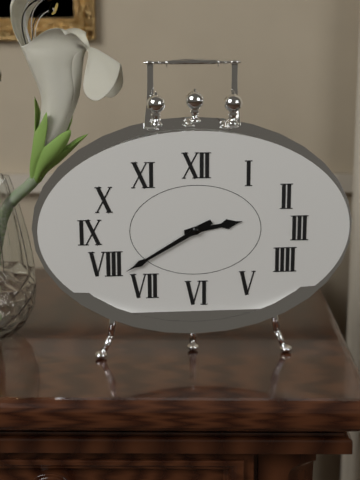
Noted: 2h40
